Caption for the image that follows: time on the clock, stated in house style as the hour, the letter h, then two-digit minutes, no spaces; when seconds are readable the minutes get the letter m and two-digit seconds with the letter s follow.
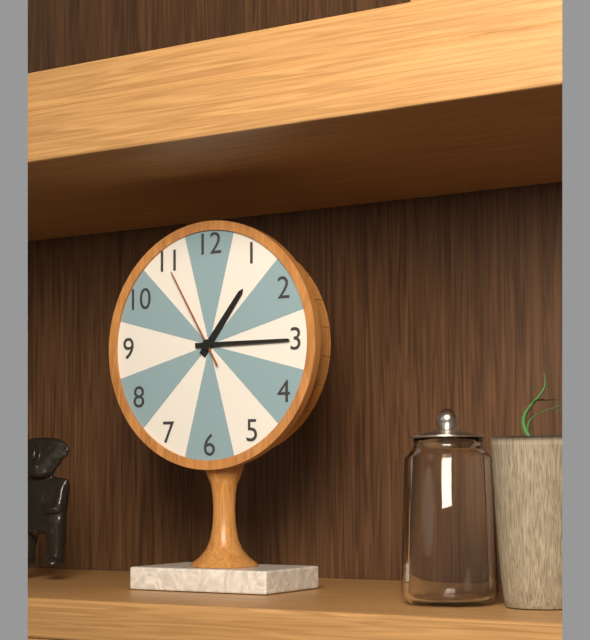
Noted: 1h15m55s
